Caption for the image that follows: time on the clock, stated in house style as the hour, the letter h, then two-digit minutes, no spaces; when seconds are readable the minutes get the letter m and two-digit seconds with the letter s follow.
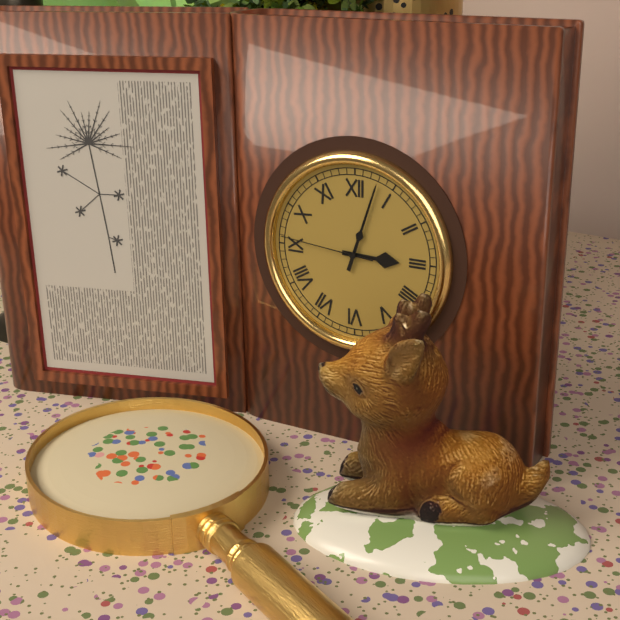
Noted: 3h03m46s
